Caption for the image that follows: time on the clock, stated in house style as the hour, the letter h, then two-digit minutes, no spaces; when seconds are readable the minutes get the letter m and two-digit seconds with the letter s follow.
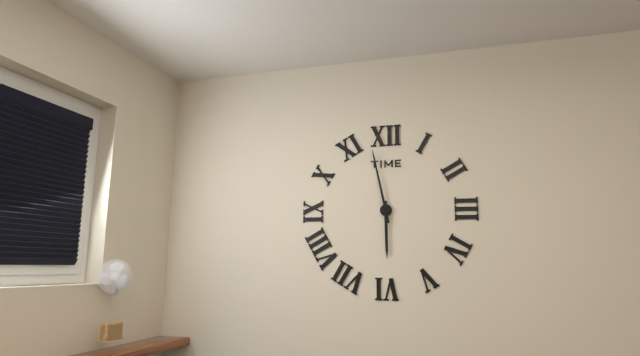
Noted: 5h58
